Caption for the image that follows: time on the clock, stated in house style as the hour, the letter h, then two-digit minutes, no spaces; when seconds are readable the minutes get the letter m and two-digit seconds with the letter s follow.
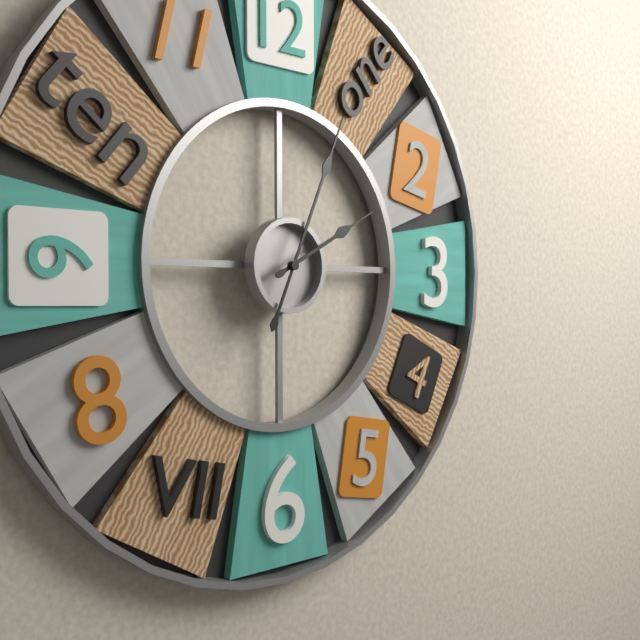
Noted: 2h04
